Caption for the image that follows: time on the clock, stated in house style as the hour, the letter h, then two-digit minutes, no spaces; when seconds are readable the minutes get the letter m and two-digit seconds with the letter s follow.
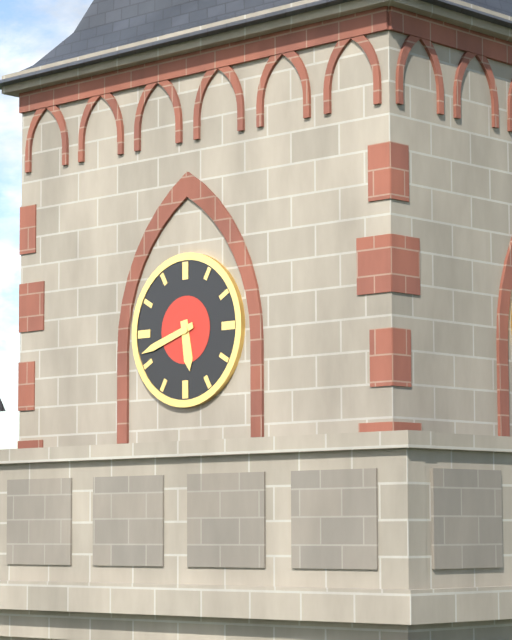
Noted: 5h42
